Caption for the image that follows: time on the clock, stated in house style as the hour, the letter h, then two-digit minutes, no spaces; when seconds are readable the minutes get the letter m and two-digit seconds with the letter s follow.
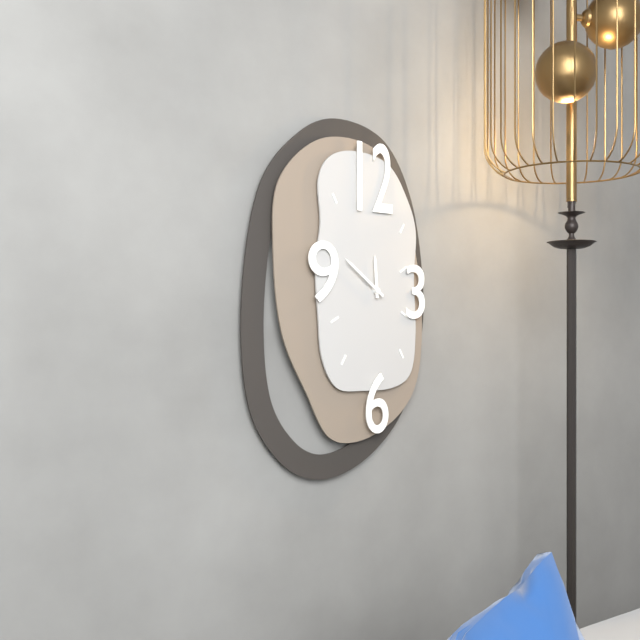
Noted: 11h51
